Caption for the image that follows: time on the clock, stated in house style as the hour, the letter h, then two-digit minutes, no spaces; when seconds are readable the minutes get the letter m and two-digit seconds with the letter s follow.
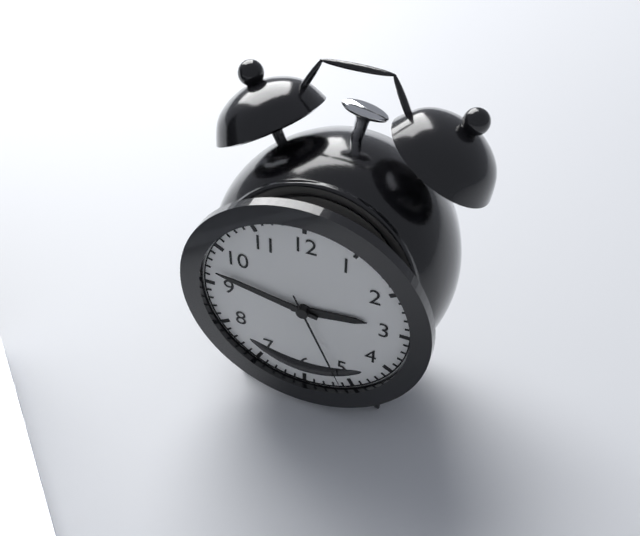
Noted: 2h47m26s
